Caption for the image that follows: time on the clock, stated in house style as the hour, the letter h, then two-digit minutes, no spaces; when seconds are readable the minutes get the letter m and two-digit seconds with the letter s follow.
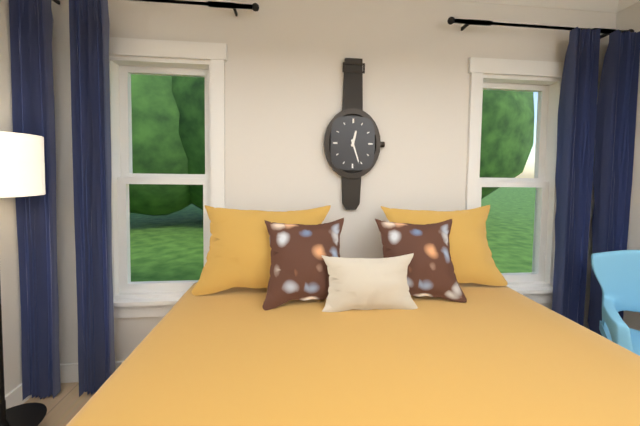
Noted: 12h27
